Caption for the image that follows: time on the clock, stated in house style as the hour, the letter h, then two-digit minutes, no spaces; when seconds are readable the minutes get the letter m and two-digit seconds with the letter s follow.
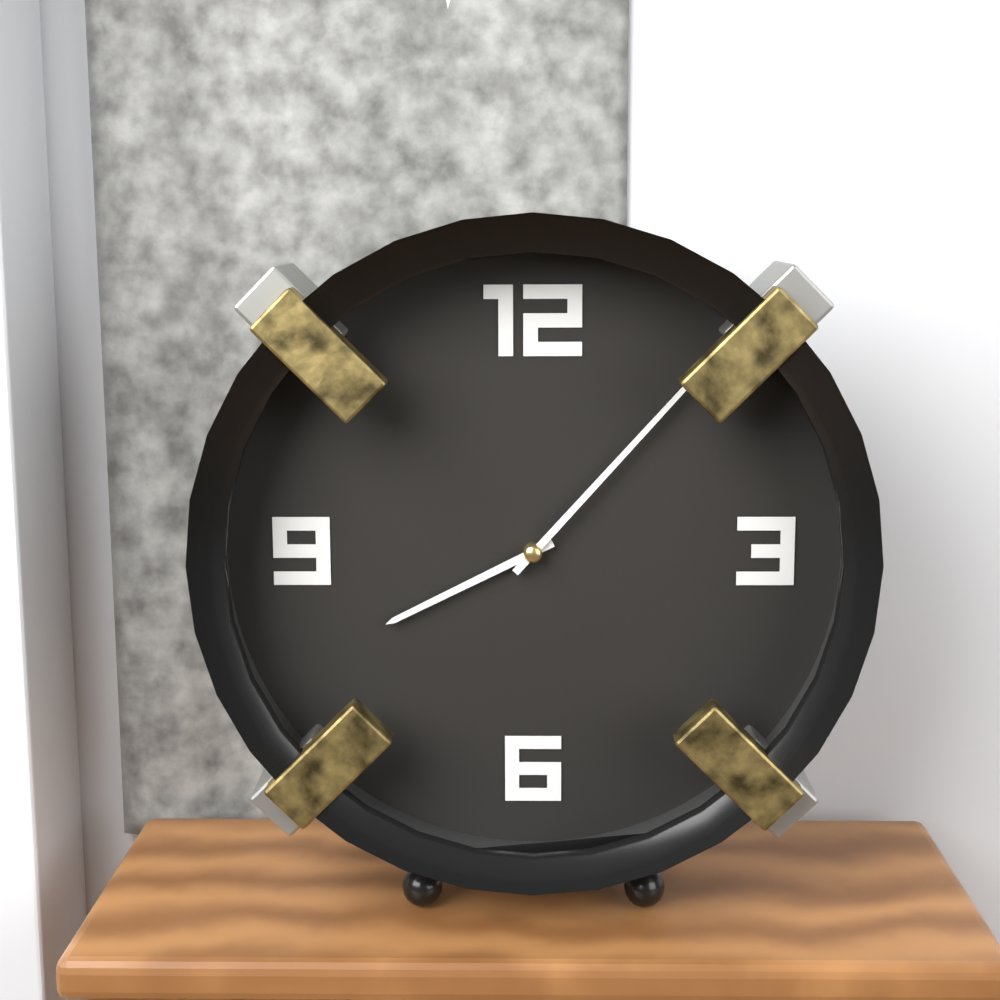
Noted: 8h07
